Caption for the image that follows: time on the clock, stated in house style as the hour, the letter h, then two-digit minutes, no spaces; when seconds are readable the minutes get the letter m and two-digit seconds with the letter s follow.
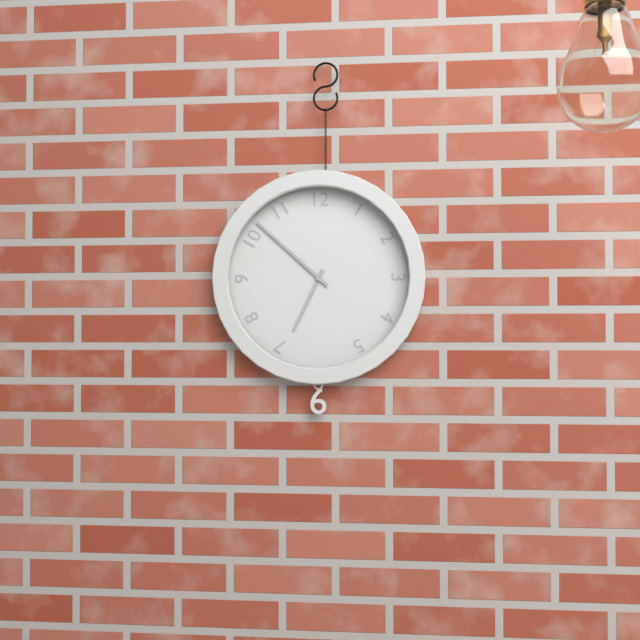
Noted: 6h52
